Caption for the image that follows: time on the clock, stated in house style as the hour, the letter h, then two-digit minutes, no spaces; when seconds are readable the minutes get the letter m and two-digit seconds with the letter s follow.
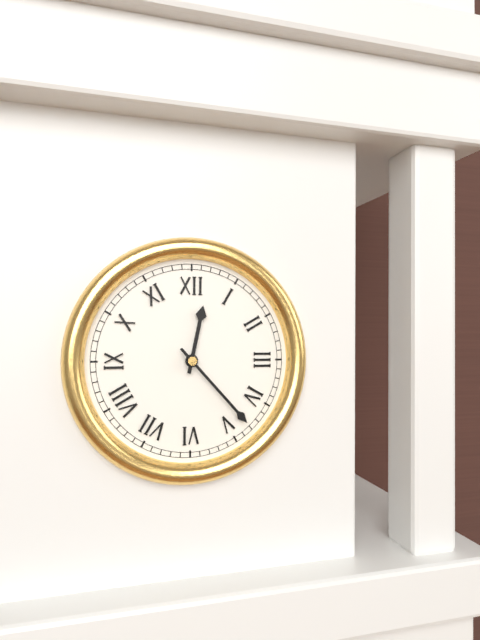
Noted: 12h23
